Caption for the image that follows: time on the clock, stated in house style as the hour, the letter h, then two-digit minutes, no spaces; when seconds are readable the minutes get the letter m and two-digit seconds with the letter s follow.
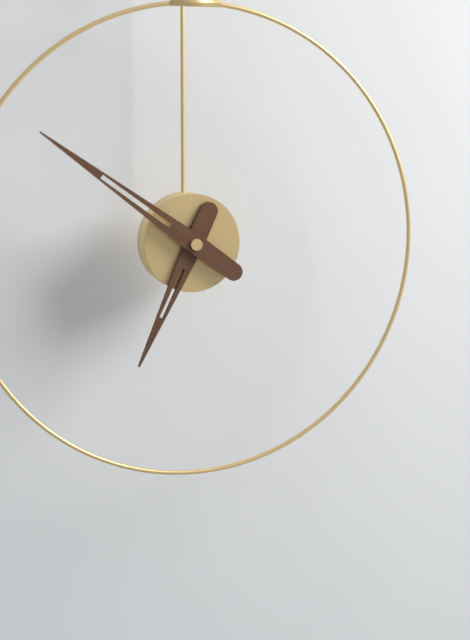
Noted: 6h51
